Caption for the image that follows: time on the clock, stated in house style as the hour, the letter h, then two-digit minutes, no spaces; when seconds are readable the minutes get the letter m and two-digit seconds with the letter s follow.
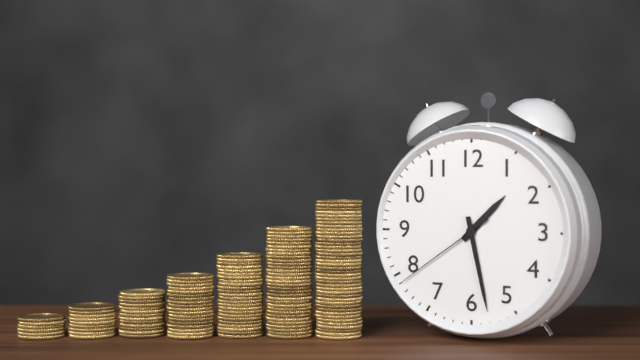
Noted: 1h28m39s
